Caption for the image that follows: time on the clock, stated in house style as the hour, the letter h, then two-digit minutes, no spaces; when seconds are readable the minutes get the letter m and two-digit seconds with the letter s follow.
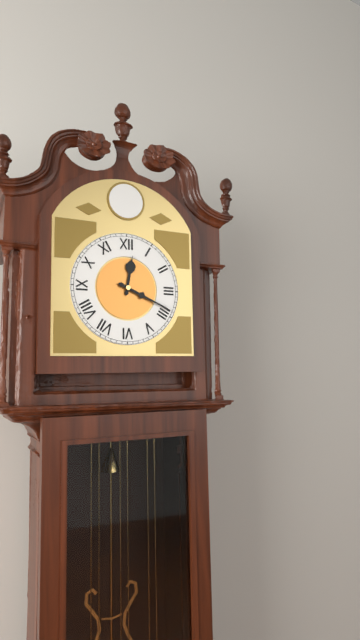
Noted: 12h19
